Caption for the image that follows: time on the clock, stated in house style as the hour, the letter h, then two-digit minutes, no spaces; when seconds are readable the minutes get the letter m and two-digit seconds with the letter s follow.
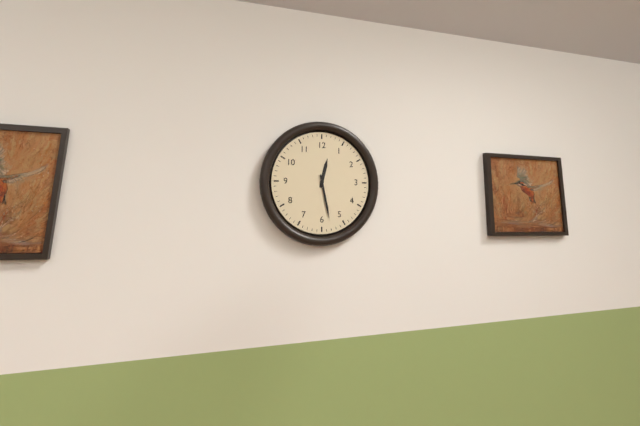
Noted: 12h28
